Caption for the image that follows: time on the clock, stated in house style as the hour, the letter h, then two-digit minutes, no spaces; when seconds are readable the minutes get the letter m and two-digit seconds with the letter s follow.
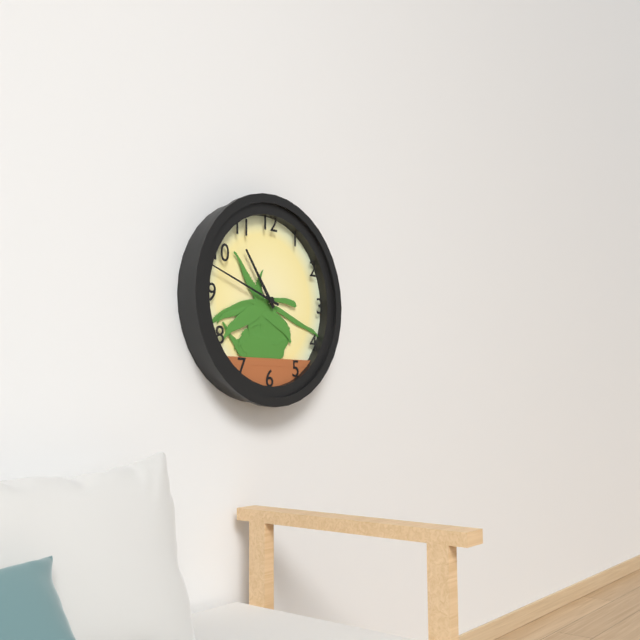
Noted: 10h48
